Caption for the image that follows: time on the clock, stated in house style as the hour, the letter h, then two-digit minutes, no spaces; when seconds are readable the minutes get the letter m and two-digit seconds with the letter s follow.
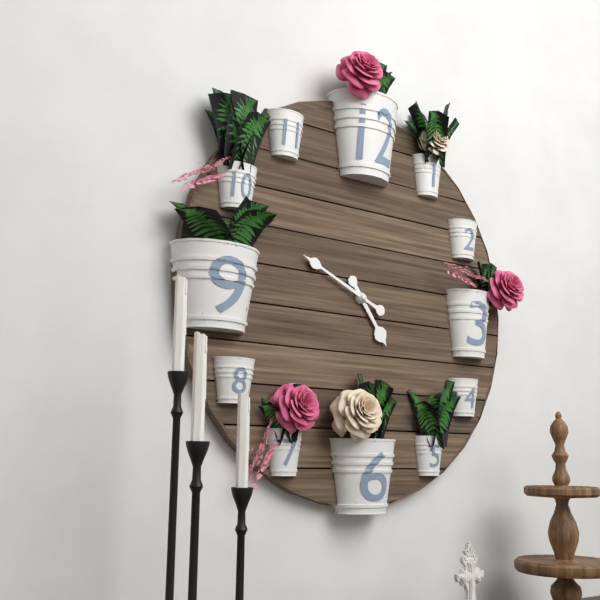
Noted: 4h49
